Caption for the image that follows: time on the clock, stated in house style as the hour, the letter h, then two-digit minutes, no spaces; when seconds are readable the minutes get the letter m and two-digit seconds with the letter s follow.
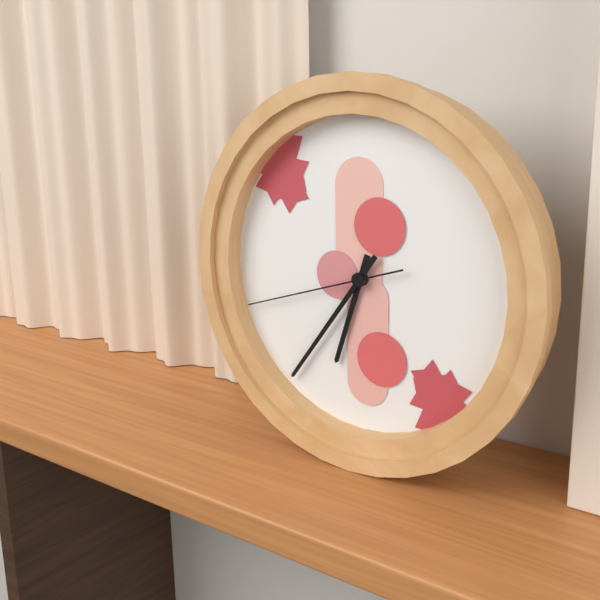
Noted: 6h36m42s
